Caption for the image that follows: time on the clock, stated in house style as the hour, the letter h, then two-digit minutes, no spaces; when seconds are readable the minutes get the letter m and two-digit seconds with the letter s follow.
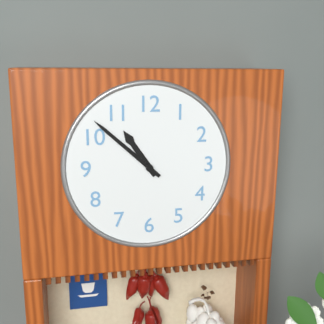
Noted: 10h52
